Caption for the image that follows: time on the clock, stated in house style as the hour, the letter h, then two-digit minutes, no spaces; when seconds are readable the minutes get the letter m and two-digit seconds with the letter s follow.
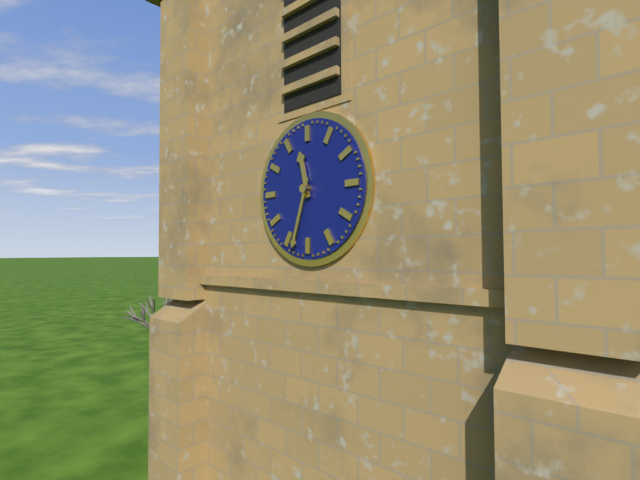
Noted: 11h33
